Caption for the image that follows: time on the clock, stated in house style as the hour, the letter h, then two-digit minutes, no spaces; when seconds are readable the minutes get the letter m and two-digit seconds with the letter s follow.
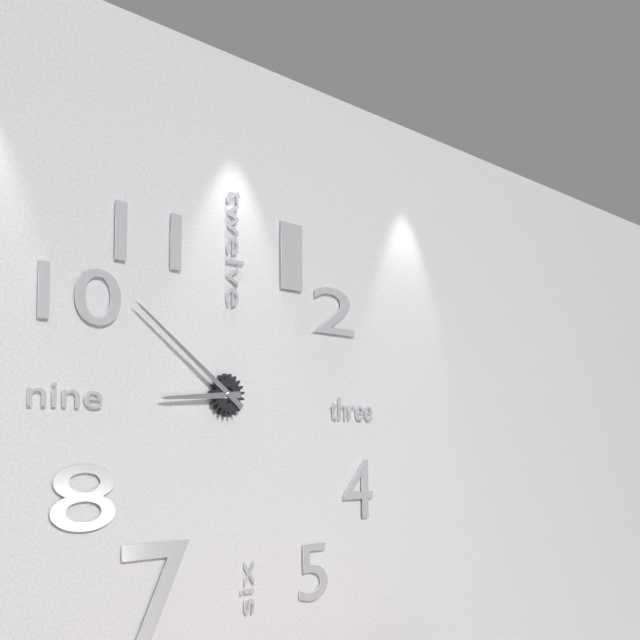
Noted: 8h51
